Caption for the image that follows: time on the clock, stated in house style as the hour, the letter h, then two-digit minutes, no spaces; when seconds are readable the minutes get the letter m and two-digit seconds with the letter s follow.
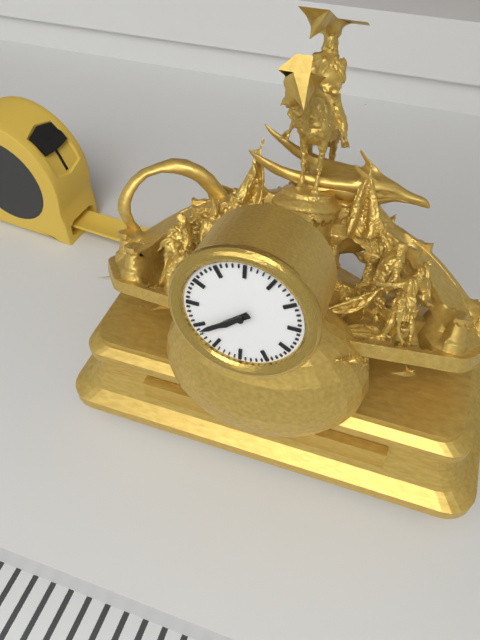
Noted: 7h39
